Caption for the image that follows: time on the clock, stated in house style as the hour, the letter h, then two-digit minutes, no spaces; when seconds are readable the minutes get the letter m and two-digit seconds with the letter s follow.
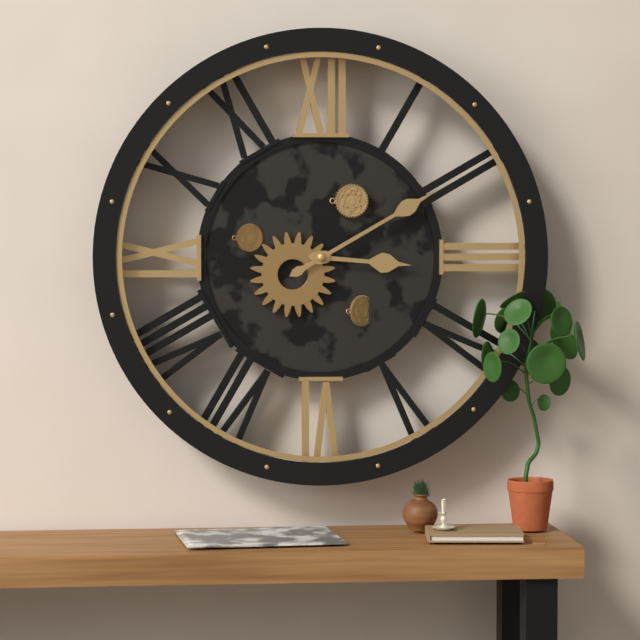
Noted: 3h10
